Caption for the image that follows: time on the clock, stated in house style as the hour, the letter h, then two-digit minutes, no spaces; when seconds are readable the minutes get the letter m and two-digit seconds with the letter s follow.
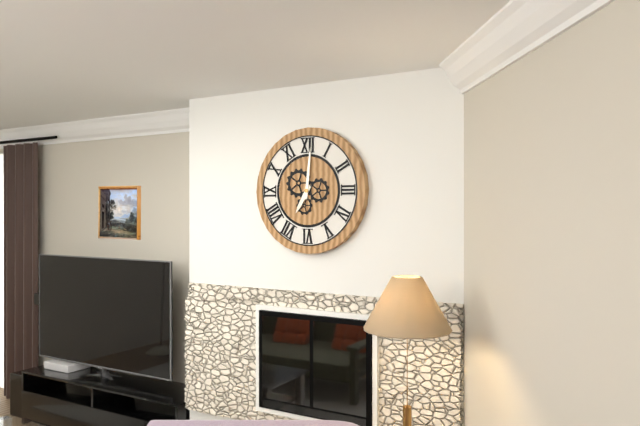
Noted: 7h01
